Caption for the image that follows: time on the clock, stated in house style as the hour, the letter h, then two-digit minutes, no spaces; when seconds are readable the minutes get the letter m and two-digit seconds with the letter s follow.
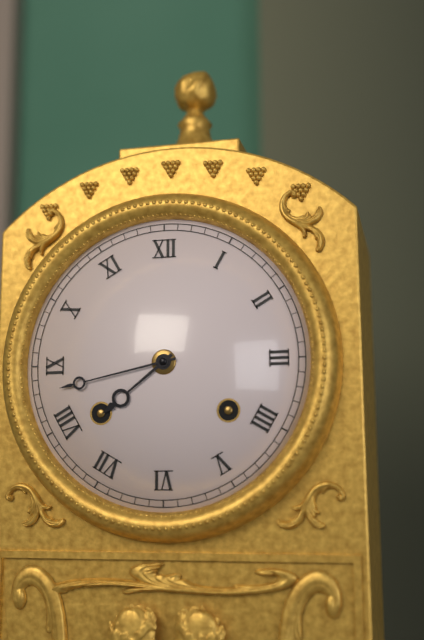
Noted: 7h43
